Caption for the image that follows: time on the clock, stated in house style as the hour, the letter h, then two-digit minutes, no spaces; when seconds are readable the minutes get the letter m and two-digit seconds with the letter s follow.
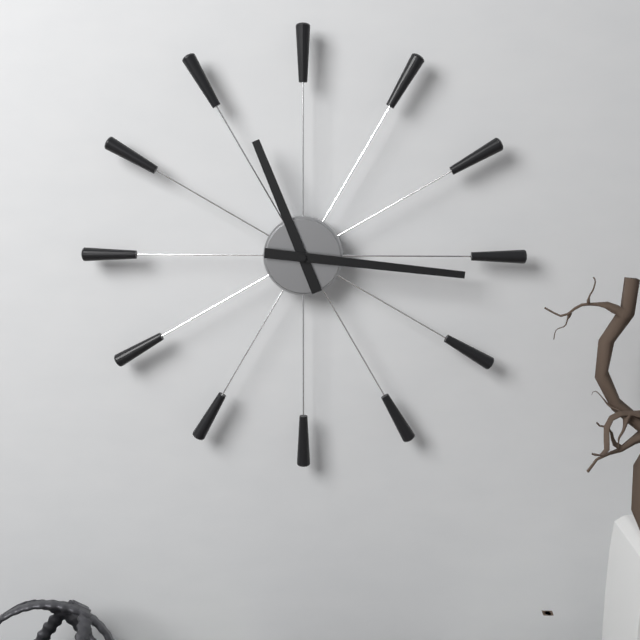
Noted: 11h16
